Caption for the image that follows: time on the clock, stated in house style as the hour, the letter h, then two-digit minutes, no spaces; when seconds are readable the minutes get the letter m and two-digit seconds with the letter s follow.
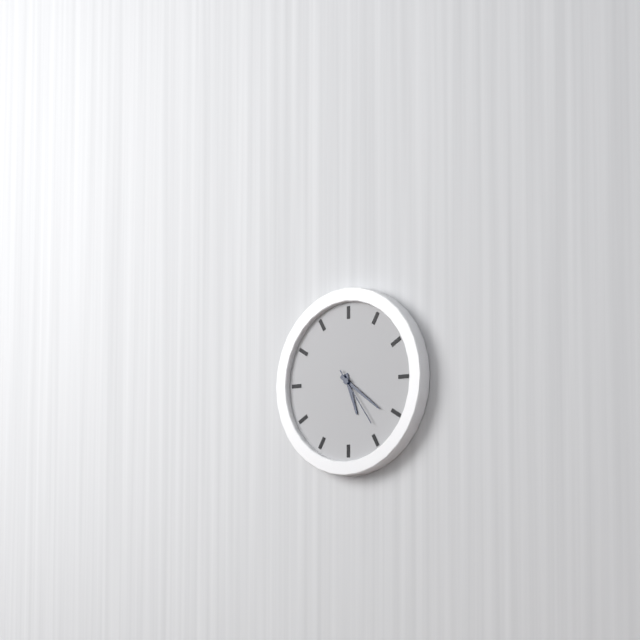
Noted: 5h21m24s
